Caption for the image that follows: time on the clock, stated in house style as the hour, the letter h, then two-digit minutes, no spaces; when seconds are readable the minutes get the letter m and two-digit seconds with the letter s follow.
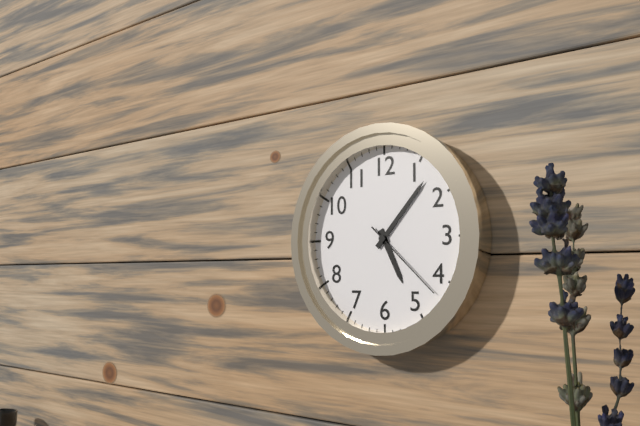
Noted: 5h07m22s
